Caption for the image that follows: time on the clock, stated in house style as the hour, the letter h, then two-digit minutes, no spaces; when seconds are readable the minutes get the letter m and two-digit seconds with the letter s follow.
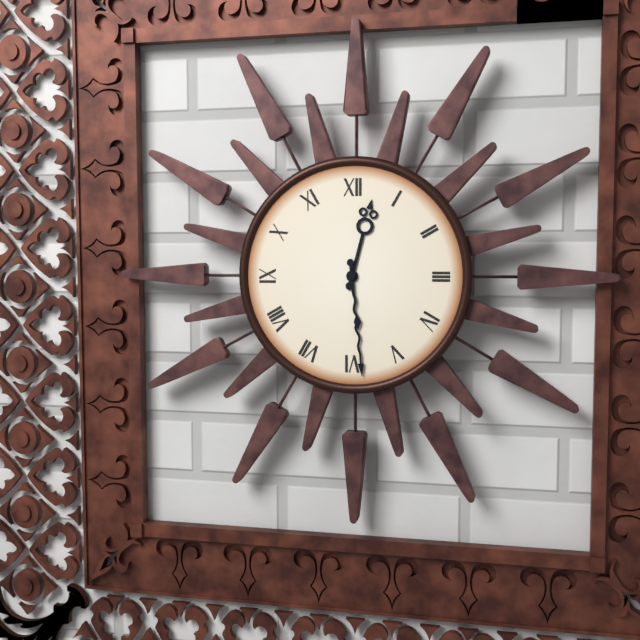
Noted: 12h29
